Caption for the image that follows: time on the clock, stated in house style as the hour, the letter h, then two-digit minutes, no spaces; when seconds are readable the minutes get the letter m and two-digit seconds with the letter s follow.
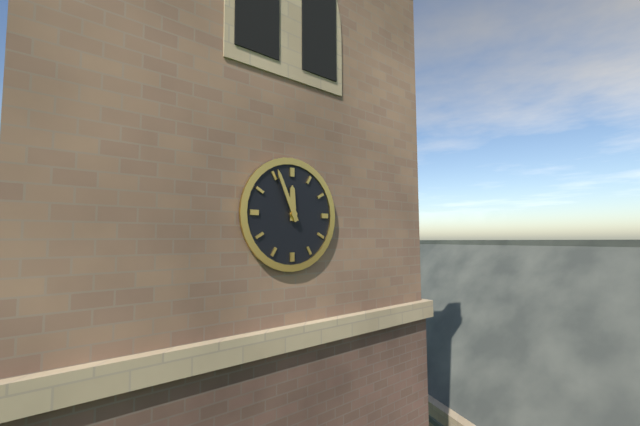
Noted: 11h56
